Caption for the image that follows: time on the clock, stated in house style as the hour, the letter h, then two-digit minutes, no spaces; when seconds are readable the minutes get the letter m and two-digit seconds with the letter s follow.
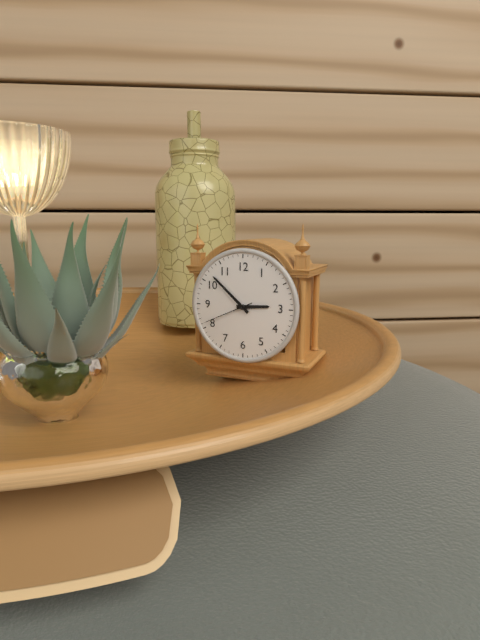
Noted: 2h52m41s
